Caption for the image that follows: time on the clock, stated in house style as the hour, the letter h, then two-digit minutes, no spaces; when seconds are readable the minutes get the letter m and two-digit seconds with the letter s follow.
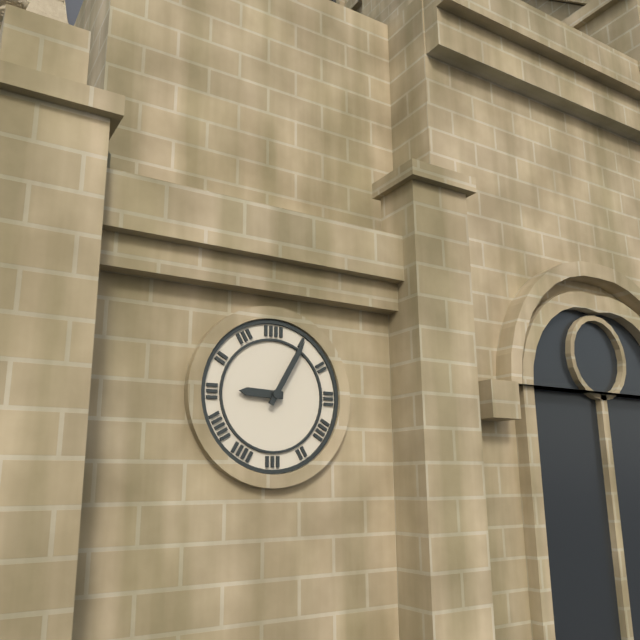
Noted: 9h05
